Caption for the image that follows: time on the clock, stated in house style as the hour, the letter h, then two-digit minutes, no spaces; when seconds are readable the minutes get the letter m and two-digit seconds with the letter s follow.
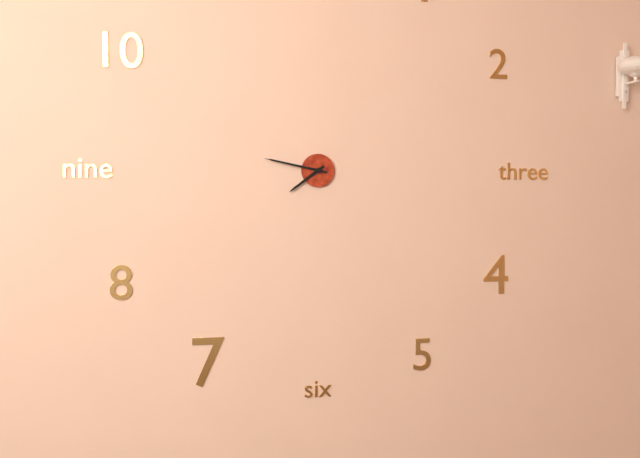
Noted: 7h47
